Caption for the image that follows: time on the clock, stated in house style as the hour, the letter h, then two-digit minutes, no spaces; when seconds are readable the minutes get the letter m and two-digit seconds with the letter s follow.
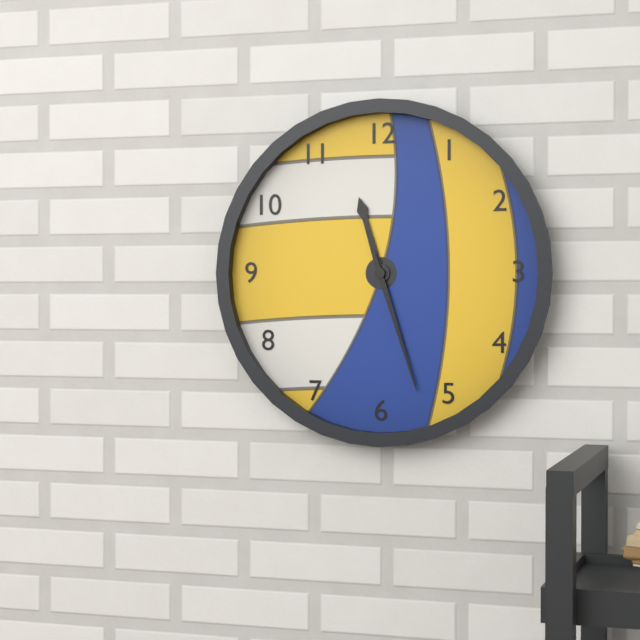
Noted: 11h27
